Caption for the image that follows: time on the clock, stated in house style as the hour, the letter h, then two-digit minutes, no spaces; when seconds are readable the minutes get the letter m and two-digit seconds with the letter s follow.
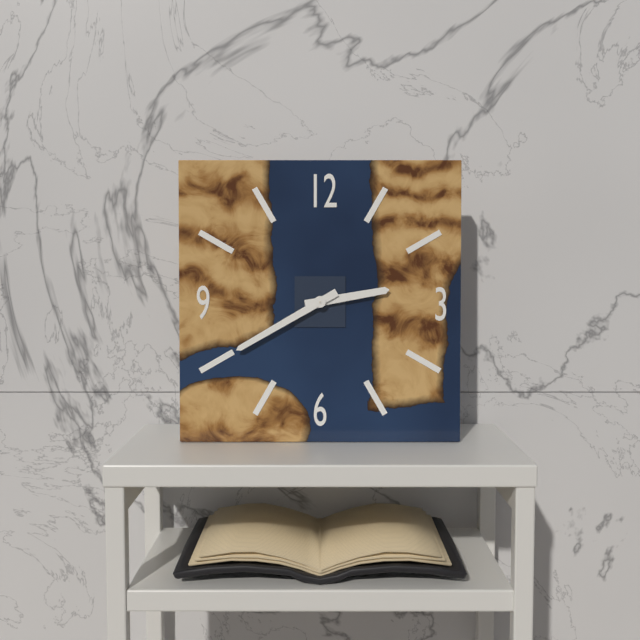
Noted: 2h40
